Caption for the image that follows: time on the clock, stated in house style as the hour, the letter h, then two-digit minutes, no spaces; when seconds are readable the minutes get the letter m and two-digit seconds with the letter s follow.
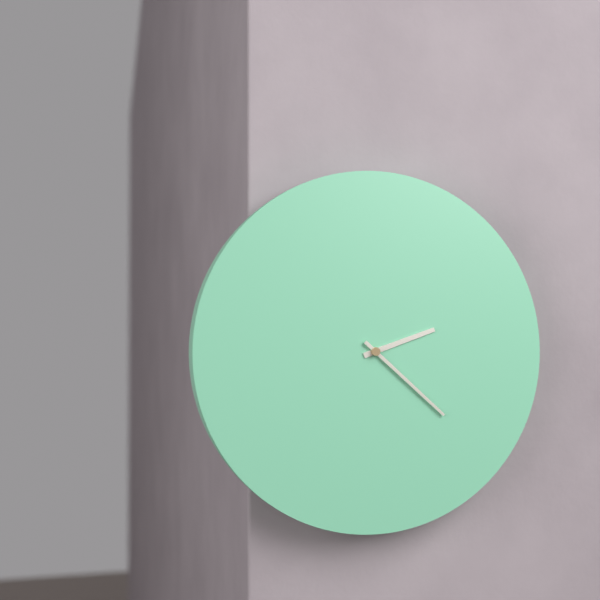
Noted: 2h22
